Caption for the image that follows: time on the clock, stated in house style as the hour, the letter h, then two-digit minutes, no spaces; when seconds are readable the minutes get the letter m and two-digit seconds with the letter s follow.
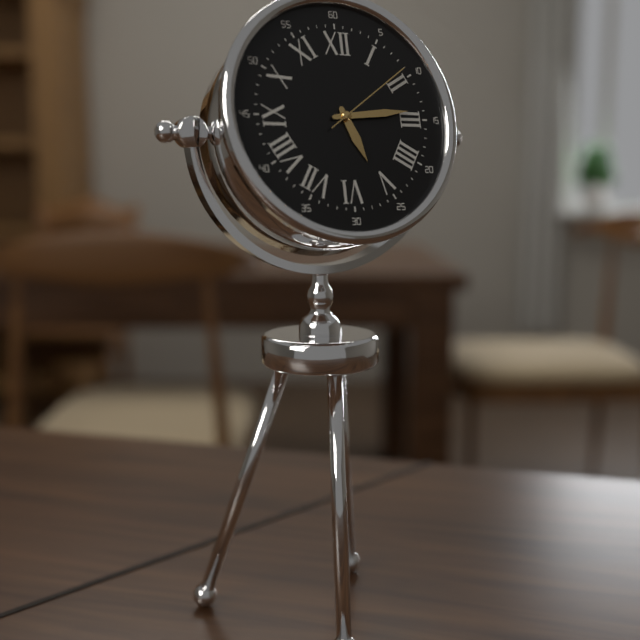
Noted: 5h14m09s
